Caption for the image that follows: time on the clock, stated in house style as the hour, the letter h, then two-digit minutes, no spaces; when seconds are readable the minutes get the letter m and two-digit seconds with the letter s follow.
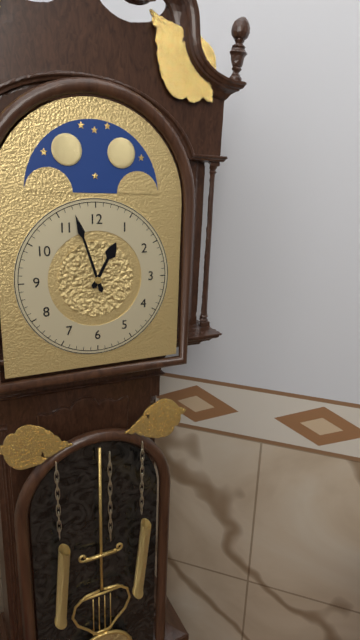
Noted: 12h57
